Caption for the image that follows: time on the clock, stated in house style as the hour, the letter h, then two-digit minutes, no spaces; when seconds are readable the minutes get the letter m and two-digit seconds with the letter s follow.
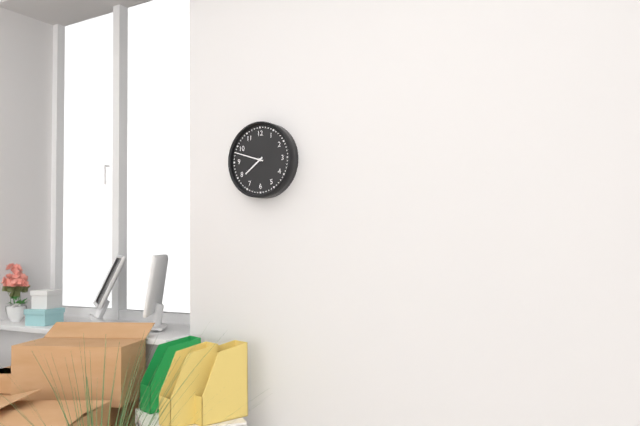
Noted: 7h48
